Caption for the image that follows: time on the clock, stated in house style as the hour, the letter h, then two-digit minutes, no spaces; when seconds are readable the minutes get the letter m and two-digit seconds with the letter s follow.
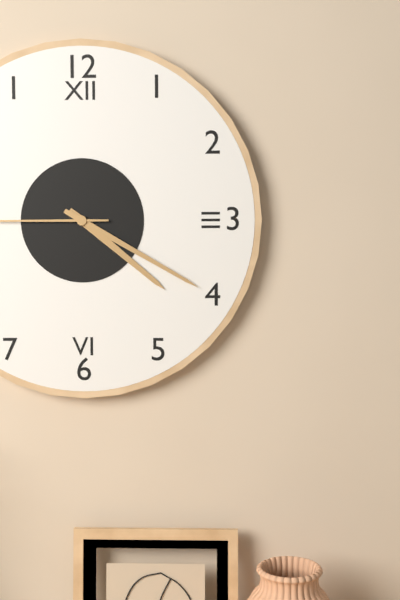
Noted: 4h20
